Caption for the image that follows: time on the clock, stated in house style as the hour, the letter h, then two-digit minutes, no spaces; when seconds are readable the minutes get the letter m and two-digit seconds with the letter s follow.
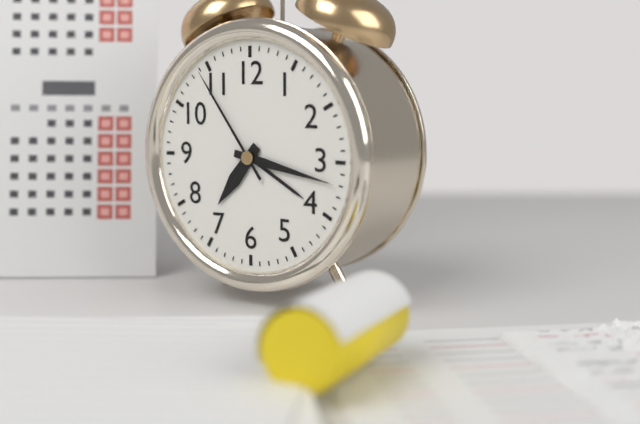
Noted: 7h17m54s
